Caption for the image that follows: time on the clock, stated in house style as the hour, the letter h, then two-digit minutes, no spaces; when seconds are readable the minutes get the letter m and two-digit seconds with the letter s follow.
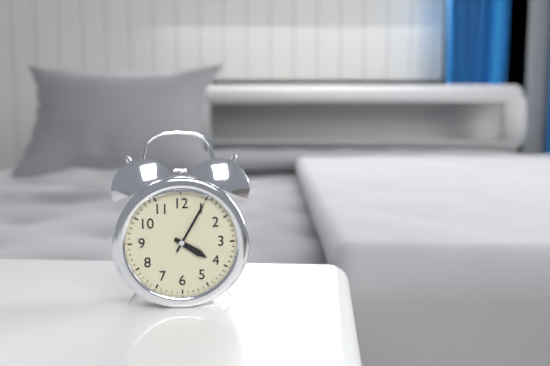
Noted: 4h05
